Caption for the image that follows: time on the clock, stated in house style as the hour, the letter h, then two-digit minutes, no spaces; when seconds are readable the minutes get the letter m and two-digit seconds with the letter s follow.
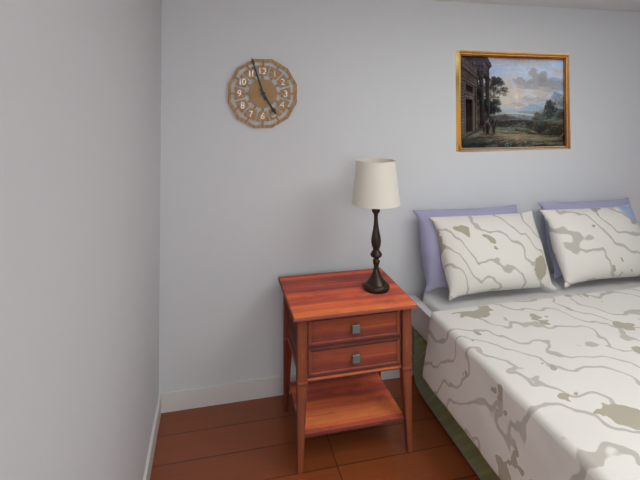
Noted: 4h57
